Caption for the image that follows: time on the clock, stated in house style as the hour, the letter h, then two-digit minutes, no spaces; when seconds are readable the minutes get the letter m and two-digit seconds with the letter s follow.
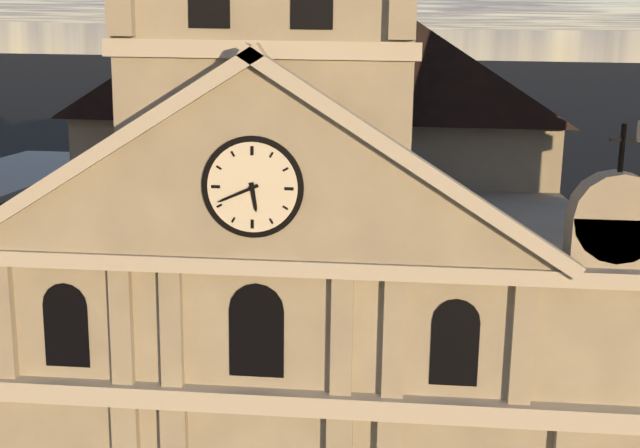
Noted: 5h41
